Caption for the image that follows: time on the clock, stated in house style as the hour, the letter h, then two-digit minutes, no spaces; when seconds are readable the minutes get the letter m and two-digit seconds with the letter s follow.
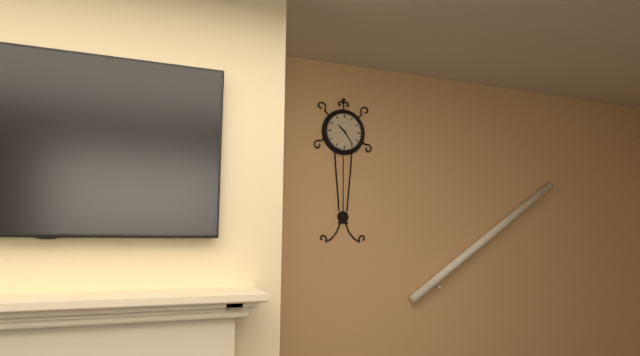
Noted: 10h24
